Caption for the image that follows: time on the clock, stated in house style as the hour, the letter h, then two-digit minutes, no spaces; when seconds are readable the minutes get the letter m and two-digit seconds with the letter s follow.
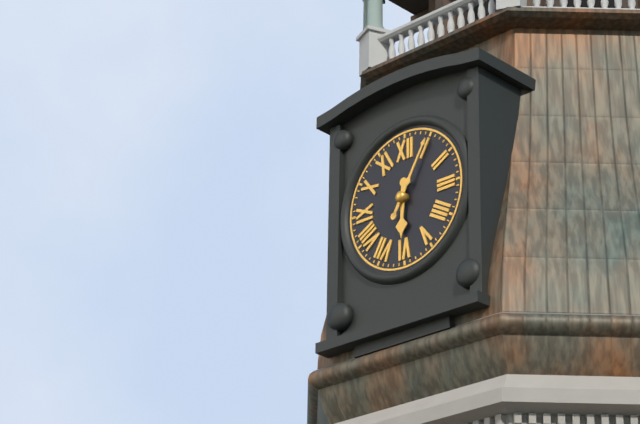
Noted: 6h05
